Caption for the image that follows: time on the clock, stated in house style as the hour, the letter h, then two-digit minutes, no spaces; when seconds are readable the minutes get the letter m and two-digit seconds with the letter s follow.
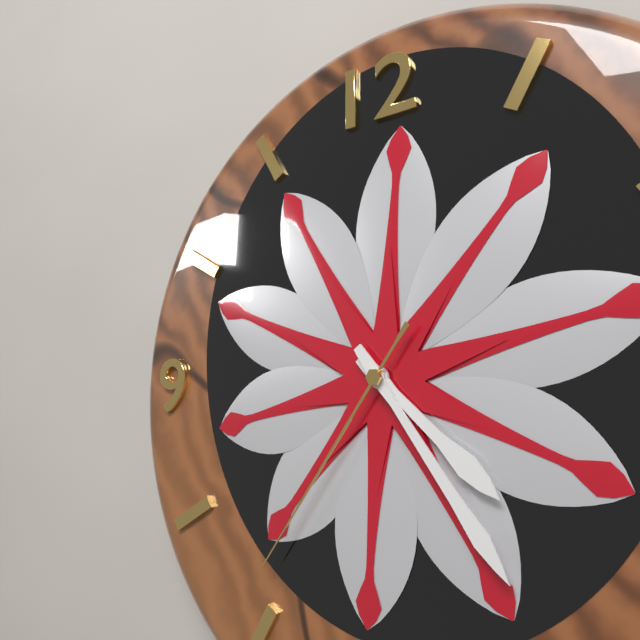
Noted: 4h24m36s
